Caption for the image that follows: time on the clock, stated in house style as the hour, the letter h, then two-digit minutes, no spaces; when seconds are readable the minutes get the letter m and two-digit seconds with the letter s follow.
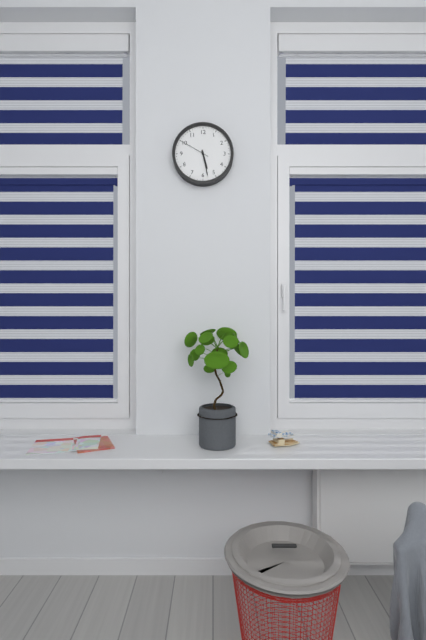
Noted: 5h28
